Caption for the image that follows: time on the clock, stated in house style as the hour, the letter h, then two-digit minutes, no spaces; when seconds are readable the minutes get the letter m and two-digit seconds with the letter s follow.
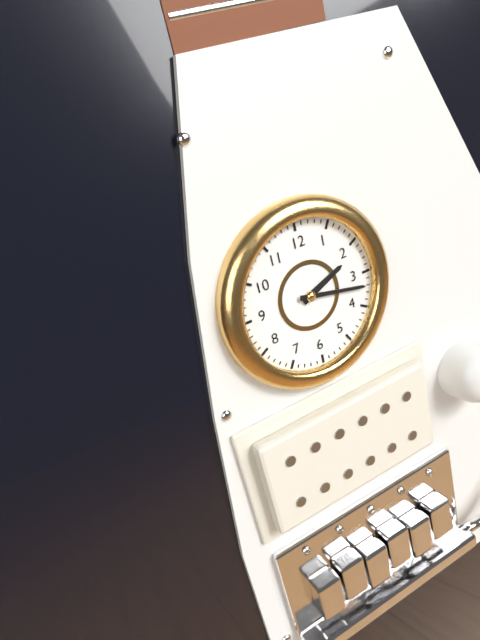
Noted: 2h17
